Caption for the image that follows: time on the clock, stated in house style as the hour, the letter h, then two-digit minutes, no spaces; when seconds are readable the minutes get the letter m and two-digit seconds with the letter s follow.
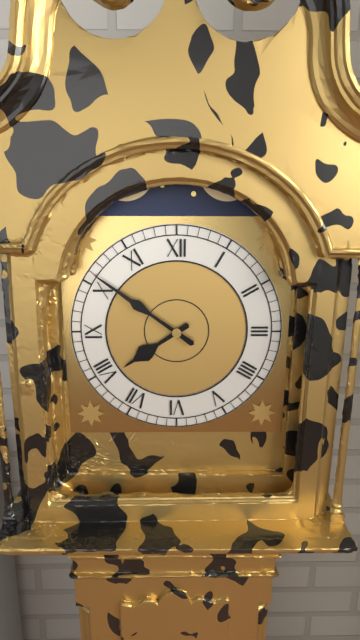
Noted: 7h51
